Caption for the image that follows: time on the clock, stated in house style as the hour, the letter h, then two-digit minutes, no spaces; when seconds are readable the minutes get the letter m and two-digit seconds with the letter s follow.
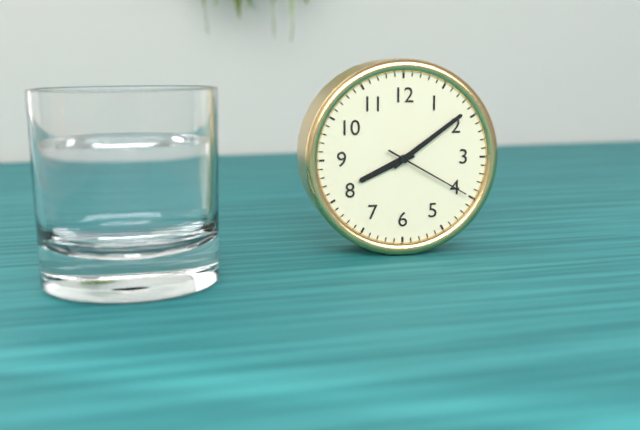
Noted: 8h09m20s
